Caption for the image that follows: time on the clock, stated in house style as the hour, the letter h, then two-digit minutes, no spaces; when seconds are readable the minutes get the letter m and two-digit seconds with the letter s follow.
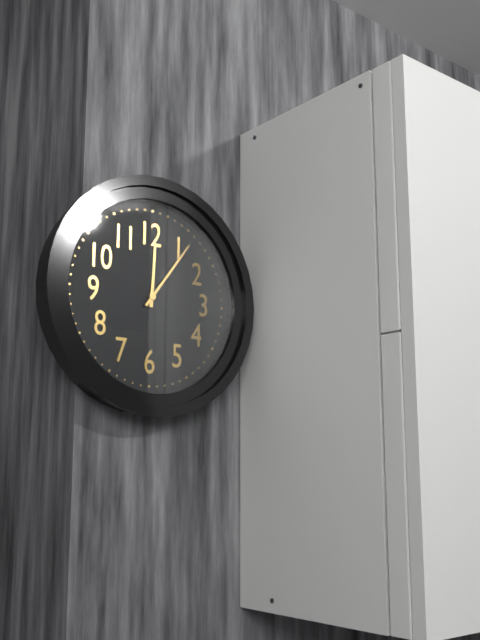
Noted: 12h06
